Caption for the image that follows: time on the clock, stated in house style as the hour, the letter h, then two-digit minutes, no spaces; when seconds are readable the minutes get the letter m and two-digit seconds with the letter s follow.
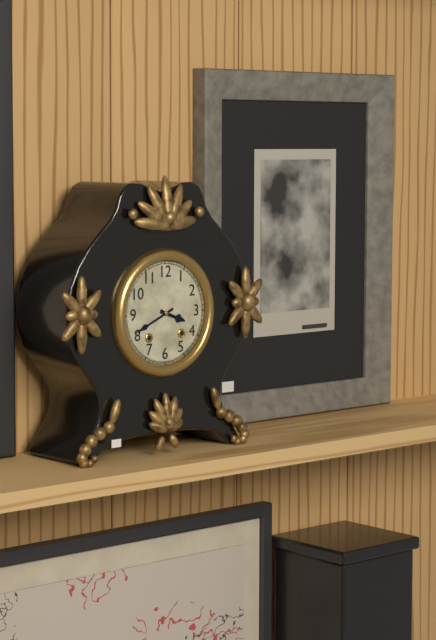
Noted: 3h41
